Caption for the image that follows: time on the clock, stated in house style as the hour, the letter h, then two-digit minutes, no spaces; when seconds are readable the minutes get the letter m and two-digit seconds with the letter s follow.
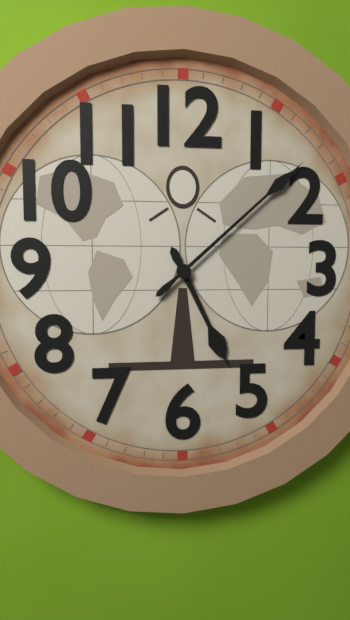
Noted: 5h08
